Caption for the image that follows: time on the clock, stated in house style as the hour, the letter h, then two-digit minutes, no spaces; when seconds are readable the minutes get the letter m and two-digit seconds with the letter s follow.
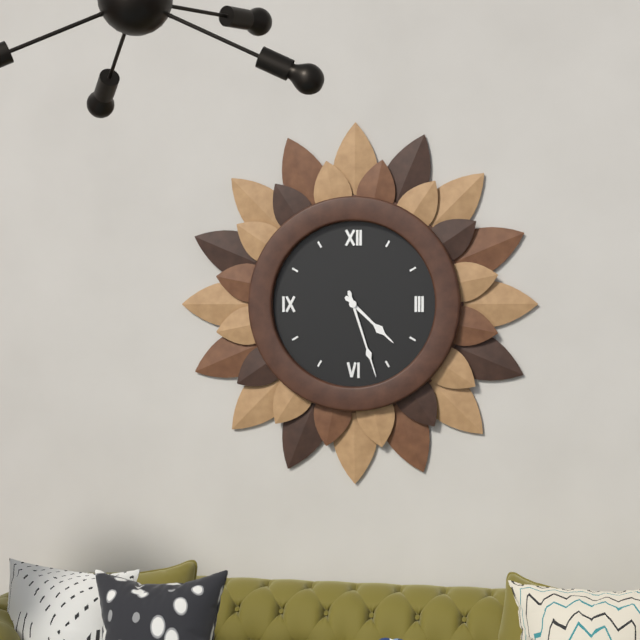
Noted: 4h27
